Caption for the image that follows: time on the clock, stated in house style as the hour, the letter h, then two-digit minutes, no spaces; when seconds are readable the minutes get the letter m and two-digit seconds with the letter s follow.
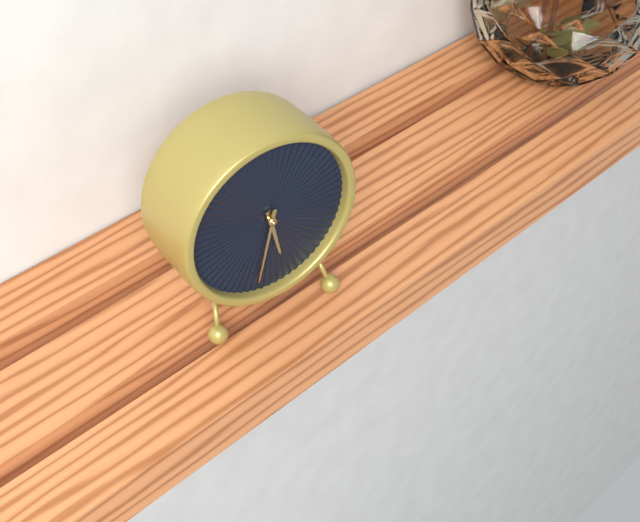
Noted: 5h32
